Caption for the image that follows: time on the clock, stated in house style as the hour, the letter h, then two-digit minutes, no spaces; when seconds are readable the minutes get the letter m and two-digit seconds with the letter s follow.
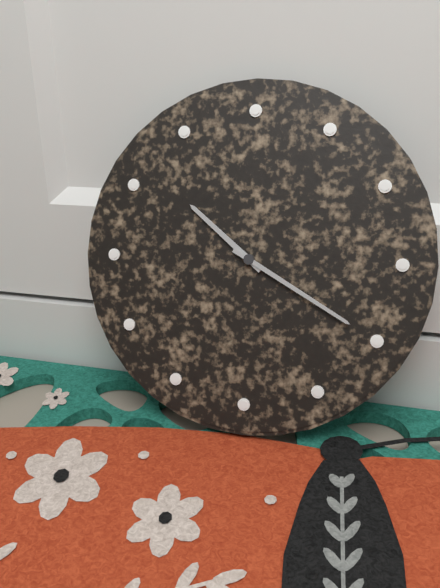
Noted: 10h20
